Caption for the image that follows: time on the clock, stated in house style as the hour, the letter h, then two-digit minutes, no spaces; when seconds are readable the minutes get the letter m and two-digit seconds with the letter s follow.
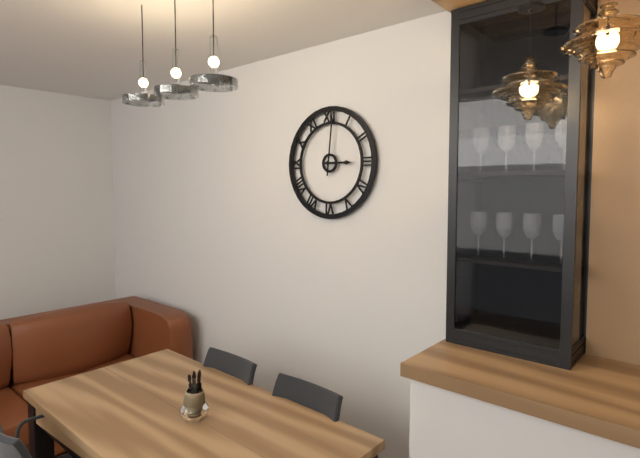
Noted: 3h01
